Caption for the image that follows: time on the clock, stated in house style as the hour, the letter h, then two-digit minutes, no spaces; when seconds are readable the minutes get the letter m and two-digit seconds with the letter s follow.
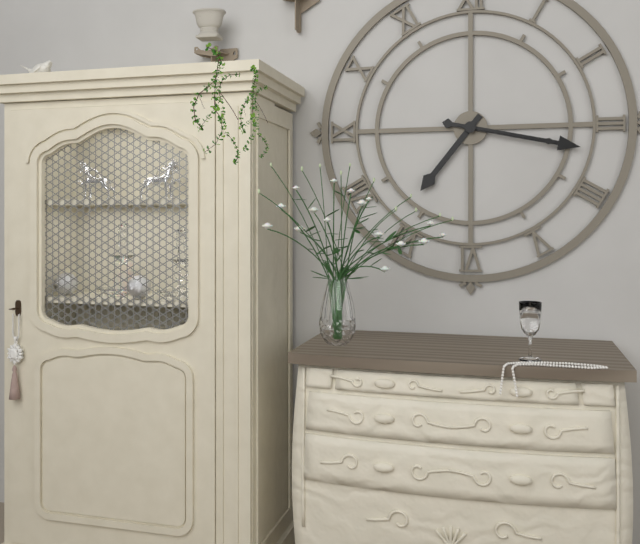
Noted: 7h17m17s
